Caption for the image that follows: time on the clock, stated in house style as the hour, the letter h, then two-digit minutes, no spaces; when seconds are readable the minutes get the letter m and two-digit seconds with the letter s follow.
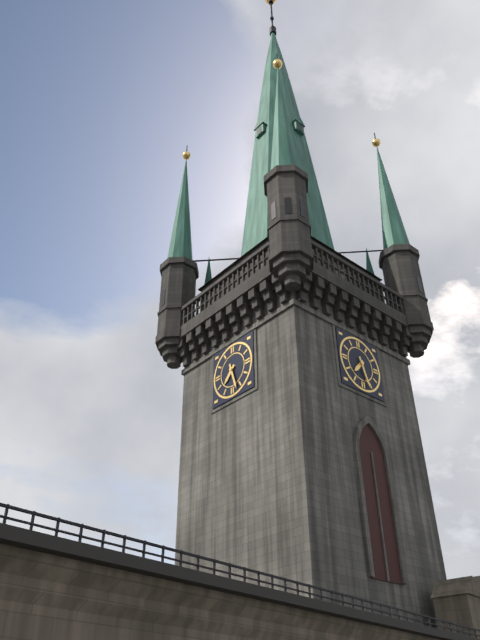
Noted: 7h27
